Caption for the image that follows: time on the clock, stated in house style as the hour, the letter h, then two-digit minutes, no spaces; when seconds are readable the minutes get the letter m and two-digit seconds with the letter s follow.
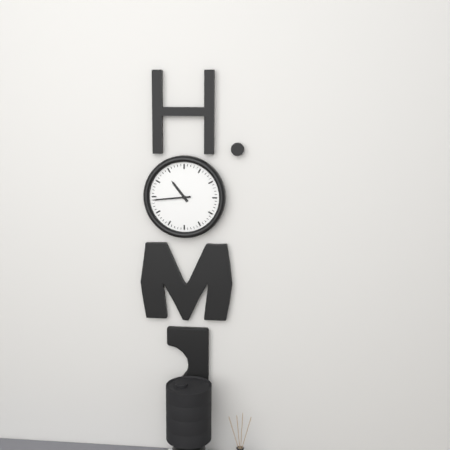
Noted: 10h44
